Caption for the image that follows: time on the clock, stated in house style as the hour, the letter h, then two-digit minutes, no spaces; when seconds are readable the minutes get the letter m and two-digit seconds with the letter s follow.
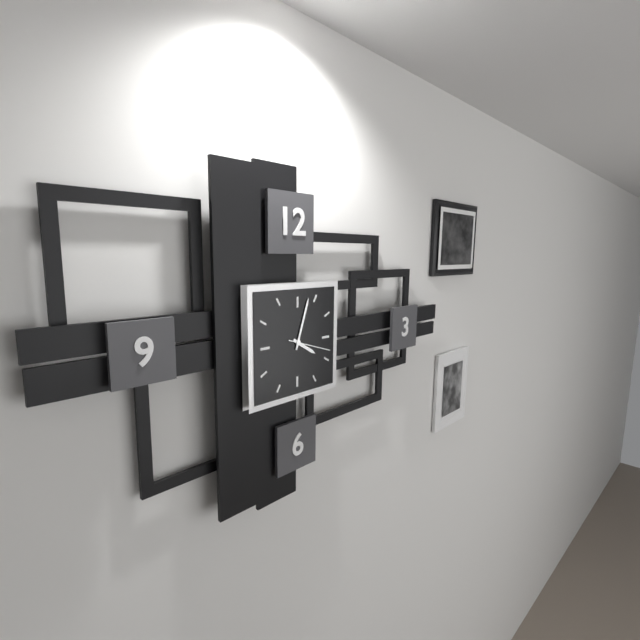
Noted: 4h03
